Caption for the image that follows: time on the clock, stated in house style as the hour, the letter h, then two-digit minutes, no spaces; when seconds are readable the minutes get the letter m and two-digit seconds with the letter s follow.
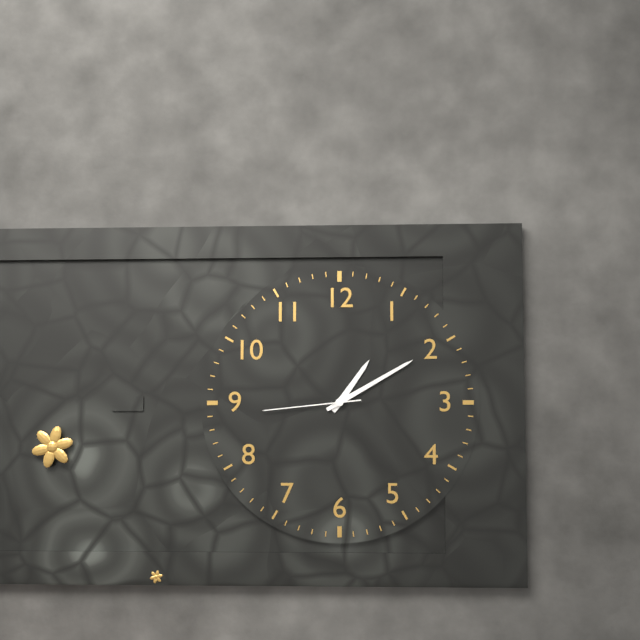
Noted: 1h10m44s
